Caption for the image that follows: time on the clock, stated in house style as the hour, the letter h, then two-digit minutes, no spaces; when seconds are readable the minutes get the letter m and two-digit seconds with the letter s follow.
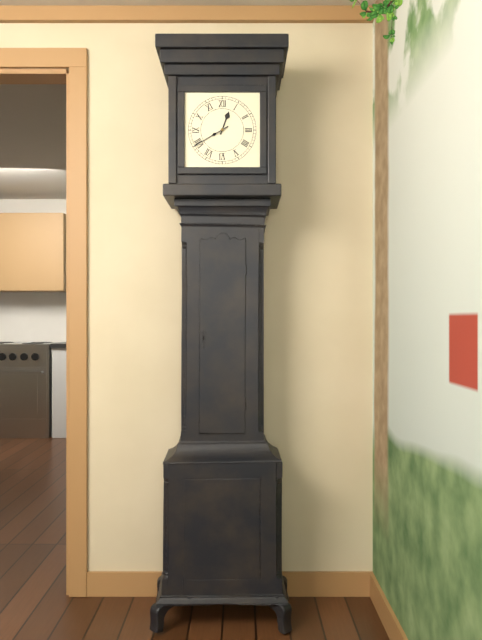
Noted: 12h40
